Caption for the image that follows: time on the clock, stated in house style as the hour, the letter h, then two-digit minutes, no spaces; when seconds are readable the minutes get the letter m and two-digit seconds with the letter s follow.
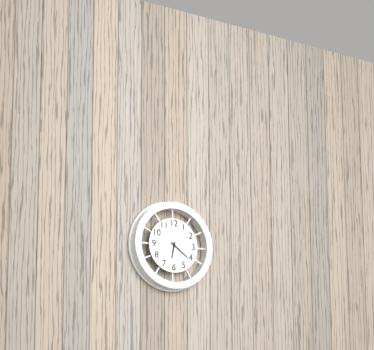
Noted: 6h21
